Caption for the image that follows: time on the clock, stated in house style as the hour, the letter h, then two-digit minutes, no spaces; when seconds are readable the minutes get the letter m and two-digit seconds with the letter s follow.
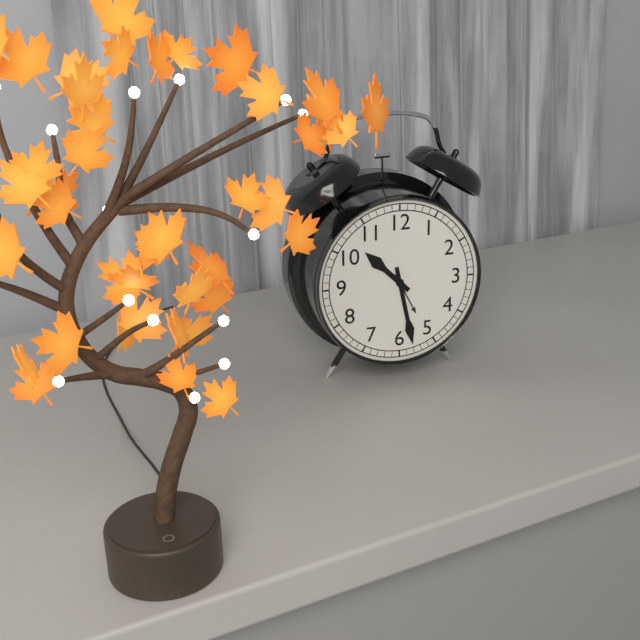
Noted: 10h28
